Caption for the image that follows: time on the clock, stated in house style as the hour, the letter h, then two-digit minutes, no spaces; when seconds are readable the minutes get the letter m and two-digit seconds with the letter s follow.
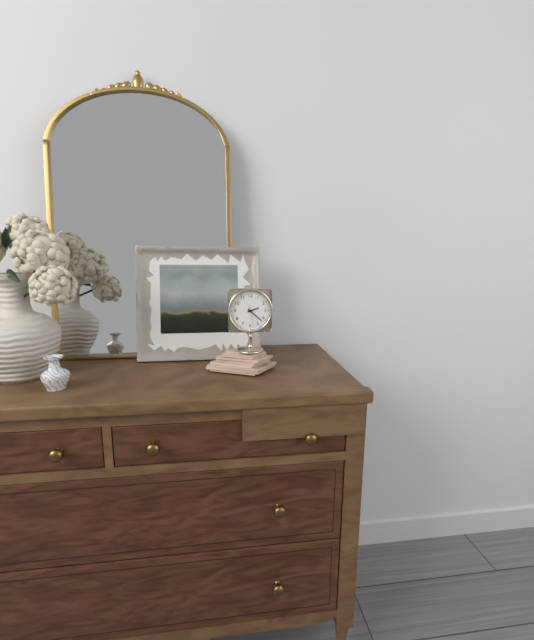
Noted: 2h22
